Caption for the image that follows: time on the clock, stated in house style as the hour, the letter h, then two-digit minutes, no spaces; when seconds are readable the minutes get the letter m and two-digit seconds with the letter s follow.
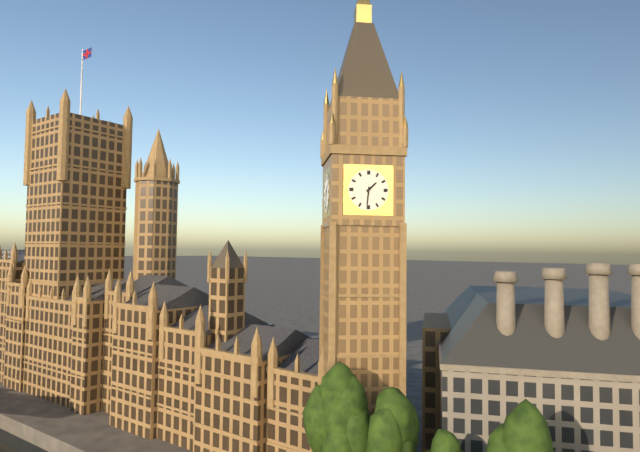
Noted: 1h31
